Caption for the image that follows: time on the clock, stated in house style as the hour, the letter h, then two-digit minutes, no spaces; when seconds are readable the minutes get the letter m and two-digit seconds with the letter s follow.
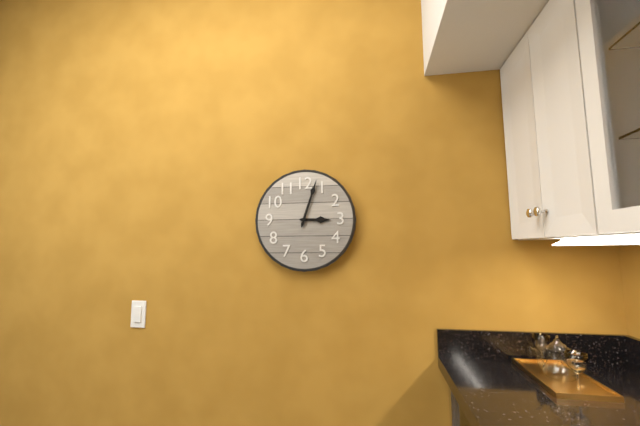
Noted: 3h03
